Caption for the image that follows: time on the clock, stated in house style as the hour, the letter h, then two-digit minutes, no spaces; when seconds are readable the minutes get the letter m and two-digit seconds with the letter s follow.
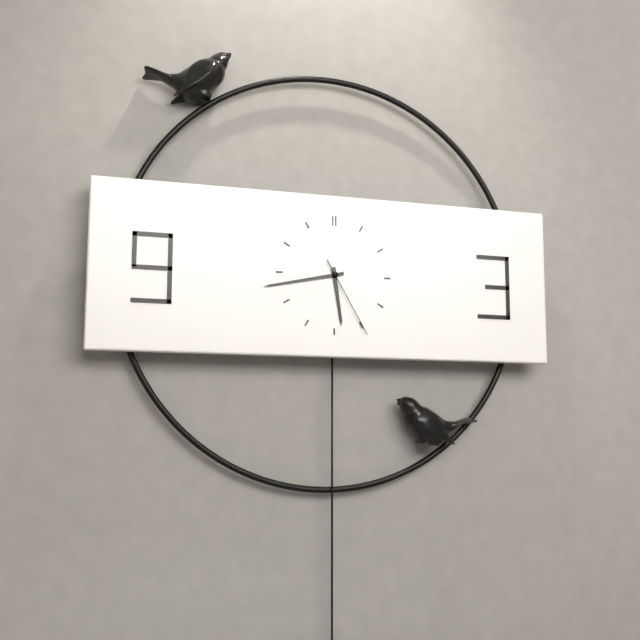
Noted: 5h43m25s
